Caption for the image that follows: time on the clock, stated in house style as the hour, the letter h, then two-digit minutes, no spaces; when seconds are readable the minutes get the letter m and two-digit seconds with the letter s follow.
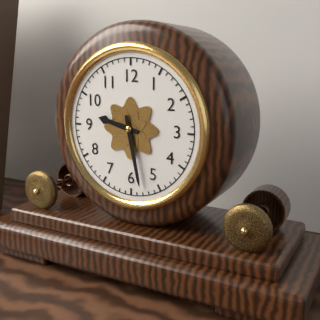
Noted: 9h28
